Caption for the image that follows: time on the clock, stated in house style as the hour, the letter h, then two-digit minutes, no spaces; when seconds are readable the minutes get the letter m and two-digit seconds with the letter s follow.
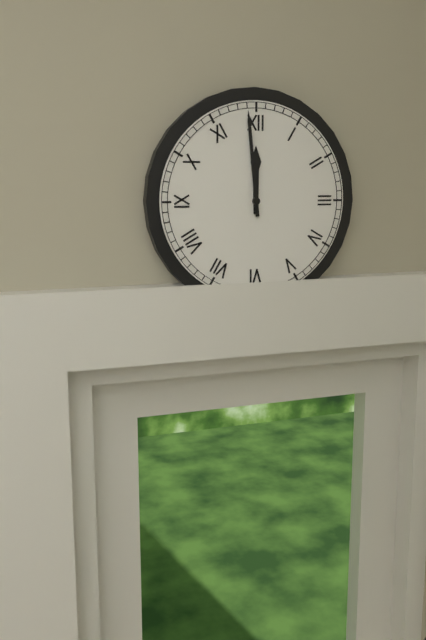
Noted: 11h59
